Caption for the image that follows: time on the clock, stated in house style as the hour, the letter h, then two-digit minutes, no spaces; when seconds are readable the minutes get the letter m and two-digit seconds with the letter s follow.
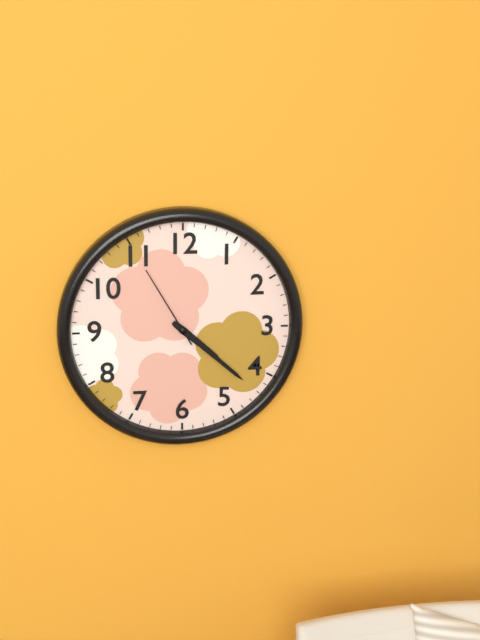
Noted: 4h22m55s
